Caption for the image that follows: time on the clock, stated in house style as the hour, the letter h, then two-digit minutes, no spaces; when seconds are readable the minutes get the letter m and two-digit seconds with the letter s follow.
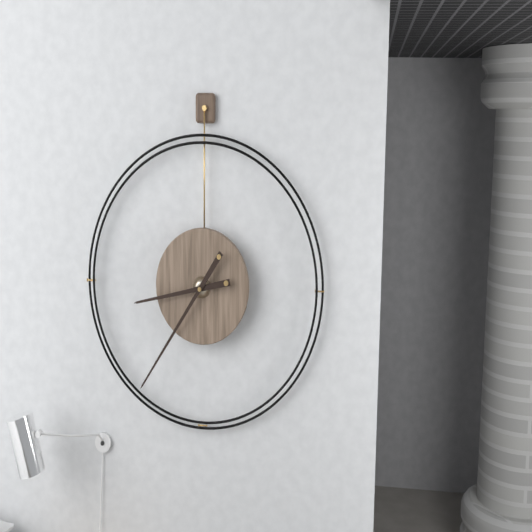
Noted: 8h36
